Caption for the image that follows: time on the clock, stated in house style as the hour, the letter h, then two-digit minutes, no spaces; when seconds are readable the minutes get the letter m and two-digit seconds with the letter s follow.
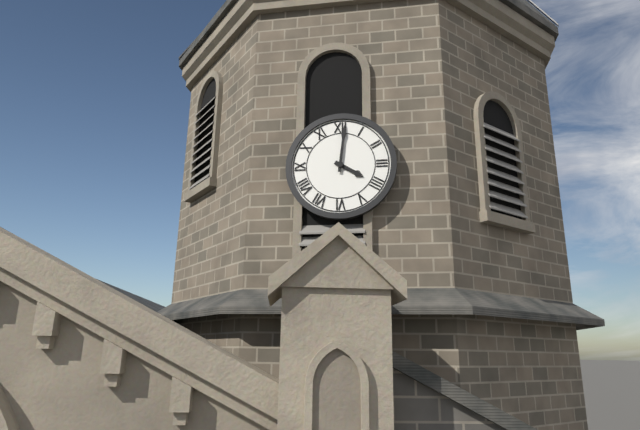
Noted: 4h01
